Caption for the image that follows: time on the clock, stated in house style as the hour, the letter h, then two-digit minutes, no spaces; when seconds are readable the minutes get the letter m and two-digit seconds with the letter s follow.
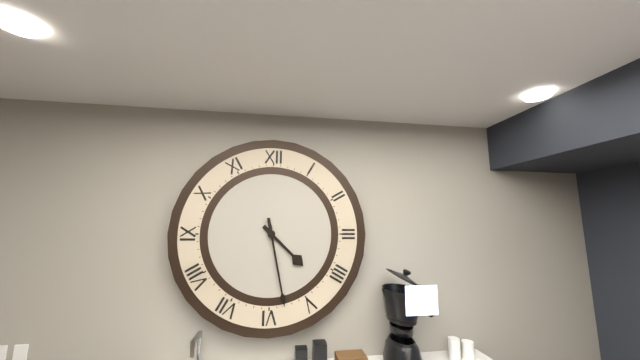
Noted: 4h28
